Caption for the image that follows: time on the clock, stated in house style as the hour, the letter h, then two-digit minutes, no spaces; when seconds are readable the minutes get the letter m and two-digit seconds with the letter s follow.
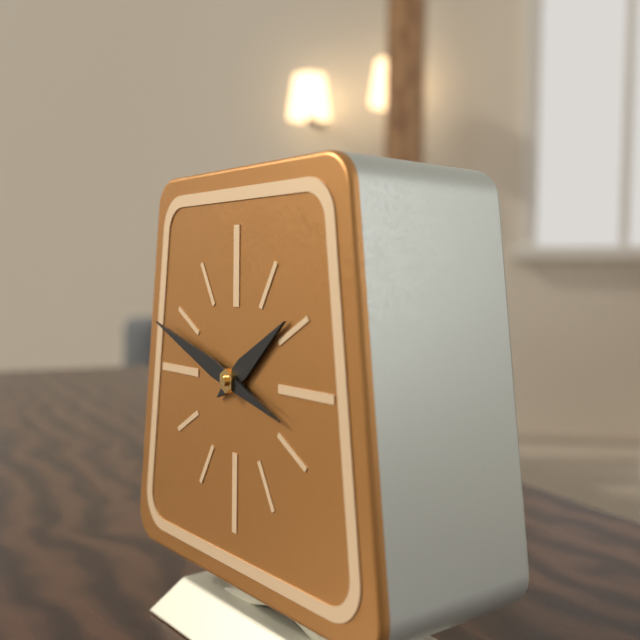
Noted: 1h48
